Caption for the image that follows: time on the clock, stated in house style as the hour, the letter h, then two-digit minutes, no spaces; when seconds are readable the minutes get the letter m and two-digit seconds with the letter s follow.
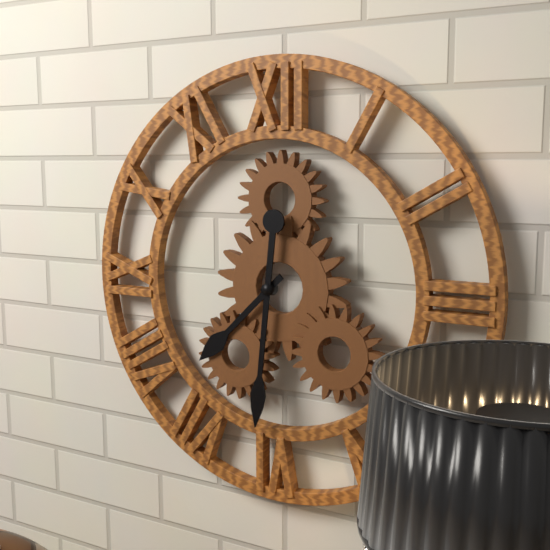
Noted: 7h31
